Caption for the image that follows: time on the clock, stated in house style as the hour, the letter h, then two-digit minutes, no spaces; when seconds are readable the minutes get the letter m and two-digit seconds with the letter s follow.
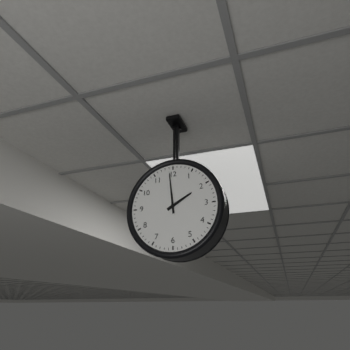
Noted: 1h59
